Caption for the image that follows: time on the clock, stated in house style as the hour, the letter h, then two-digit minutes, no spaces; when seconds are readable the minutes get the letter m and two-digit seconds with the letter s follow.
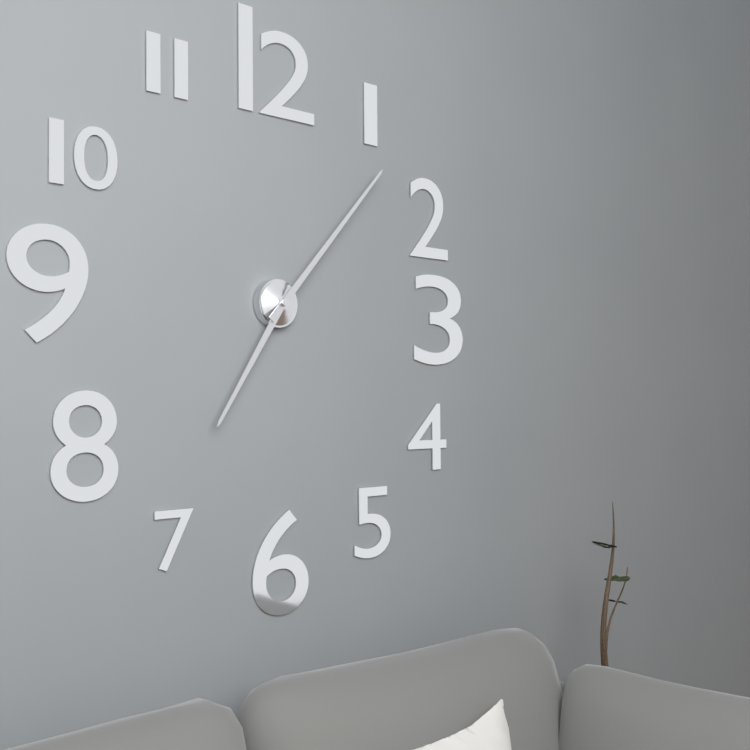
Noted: 7h07
